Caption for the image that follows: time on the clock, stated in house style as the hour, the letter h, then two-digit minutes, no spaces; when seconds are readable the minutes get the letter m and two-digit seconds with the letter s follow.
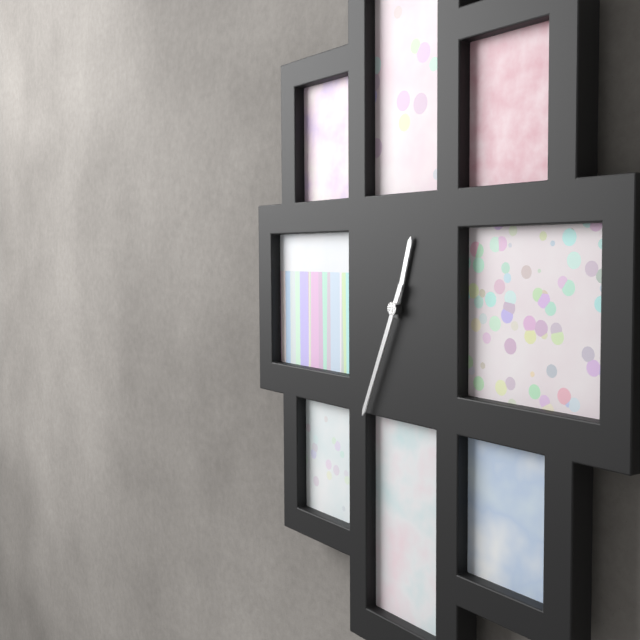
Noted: 12h34
